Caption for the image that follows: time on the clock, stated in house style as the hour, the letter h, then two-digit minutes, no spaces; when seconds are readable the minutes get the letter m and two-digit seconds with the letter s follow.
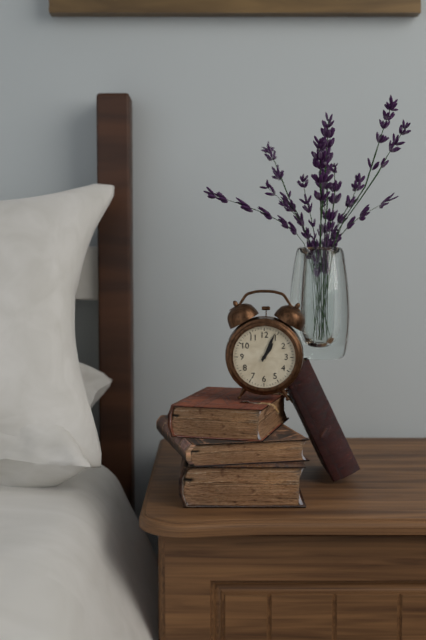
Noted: 1h04
